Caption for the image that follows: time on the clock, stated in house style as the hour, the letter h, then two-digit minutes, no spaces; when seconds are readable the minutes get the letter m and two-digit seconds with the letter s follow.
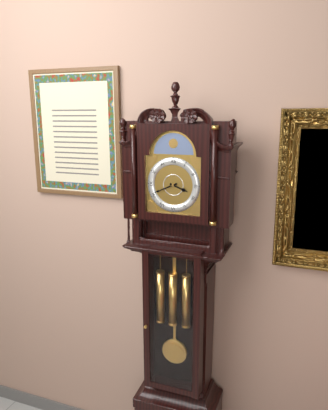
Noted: 3h41
